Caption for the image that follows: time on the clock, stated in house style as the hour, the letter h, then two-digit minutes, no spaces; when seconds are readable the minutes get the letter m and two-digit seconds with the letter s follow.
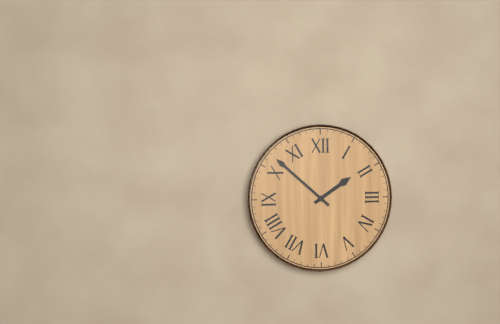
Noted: 1h52
